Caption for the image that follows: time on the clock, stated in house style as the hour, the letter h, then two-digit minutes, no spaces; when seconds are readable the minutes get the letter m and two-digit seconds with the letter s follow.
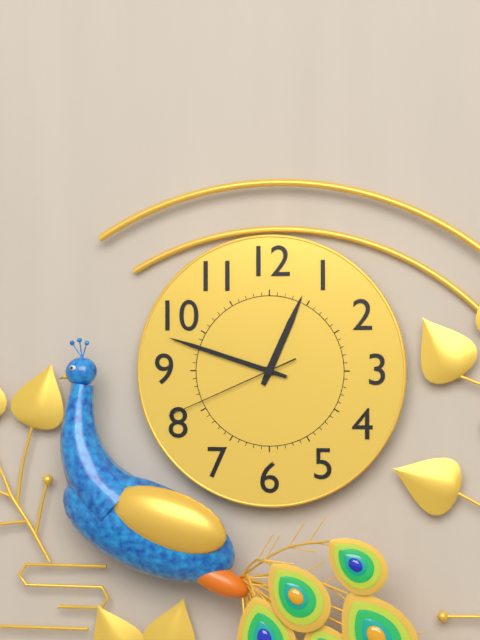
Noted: 12h48m41s
